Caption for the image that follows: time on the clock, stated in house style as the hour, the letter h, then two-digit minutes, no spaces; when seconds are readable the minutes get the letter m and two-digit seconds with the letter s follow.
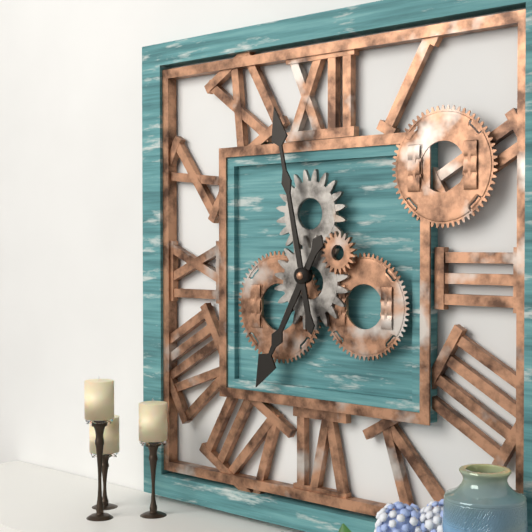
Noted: 6h58
